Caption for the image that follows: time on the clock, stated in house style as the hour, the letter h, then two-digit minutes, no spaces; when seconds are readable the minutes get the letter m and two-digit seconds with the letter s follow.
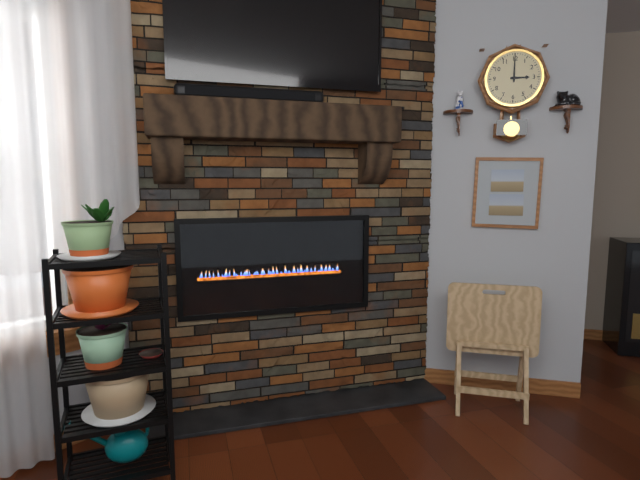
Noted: 3h00
